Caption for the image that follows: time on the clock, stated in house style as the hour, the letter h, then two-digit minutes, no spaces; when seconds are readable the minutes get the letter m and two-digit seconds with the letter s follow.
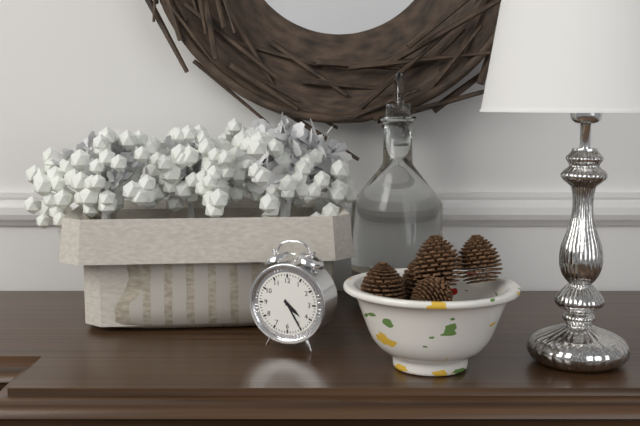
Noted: 4h25
